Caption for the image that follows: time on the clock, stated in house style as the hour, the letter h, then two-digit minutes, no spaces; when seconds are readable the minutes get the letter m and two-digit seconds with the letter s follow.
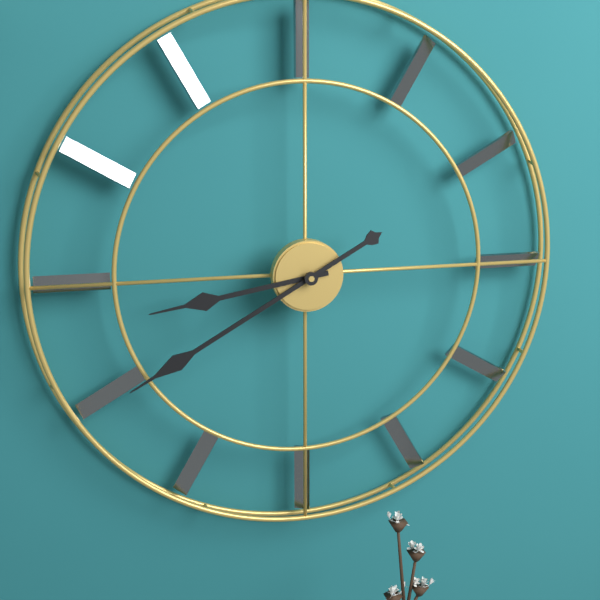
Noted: 8h40
